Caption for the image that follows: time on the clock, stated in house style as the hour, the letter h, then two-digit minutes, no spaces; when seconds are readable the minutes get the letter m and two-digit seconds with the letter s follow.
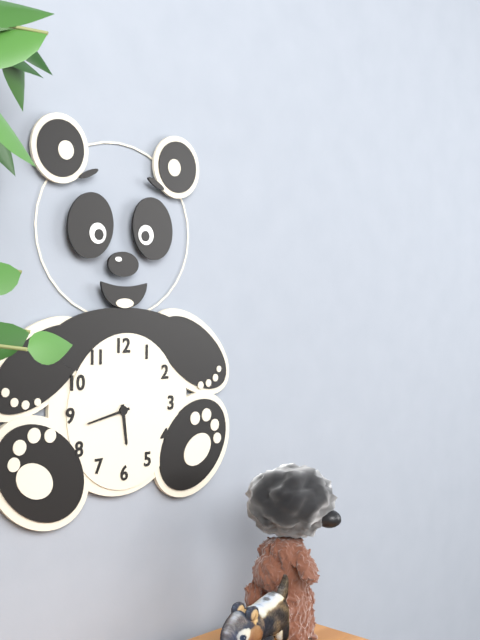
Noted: 5h43
